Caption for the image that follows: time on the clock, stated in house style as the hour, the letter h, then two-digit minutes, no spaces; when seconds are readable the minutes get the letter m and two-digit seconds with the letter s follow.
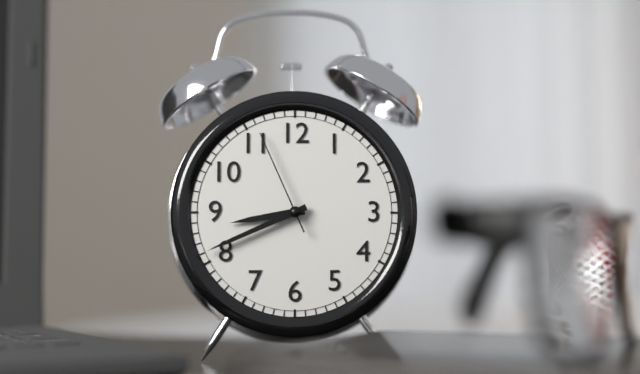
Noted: 8h41m56s
